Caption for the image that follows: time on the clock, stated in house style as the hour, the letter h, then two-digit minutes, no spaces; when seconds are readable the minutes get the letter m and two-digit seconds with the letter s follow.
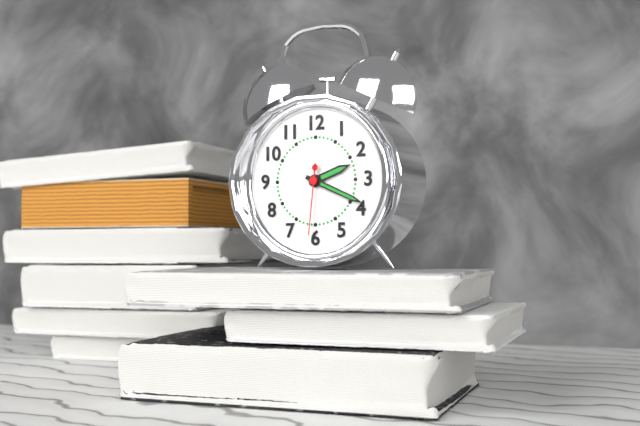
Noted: 2h19m31s
